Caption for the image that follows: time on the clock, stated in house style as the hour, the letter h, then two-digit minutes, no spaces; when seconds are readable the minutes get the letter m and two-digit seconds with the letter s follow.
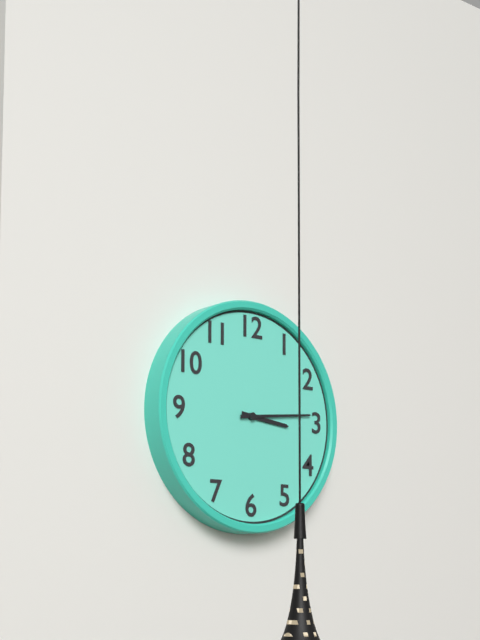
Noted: 3h14
